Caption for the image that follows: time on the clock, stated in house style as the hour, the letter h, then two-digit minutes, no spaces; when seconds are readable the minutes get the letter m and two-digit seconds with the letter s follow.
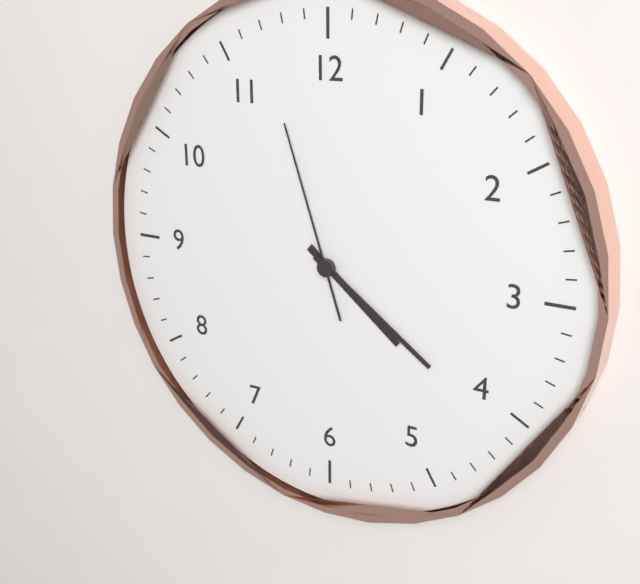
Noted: 4h21m57s
